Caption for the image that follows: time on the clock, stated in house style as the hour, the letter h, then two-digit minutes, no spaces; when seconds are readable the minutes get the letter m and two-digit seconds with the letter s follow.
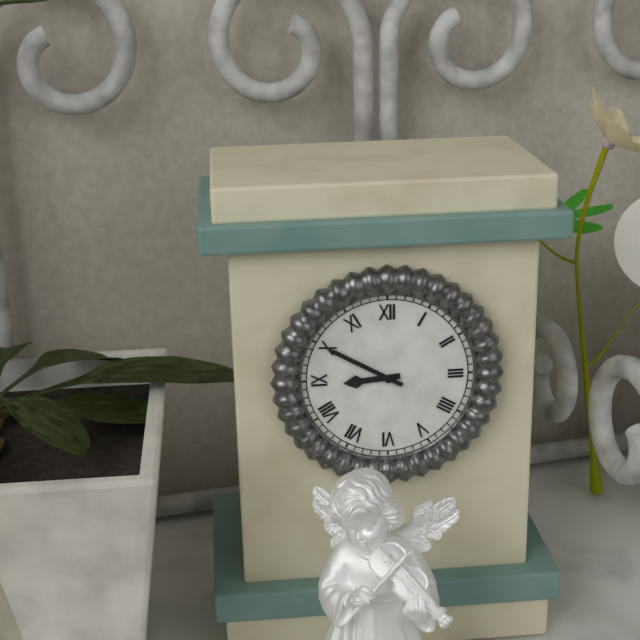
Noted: 8h50
